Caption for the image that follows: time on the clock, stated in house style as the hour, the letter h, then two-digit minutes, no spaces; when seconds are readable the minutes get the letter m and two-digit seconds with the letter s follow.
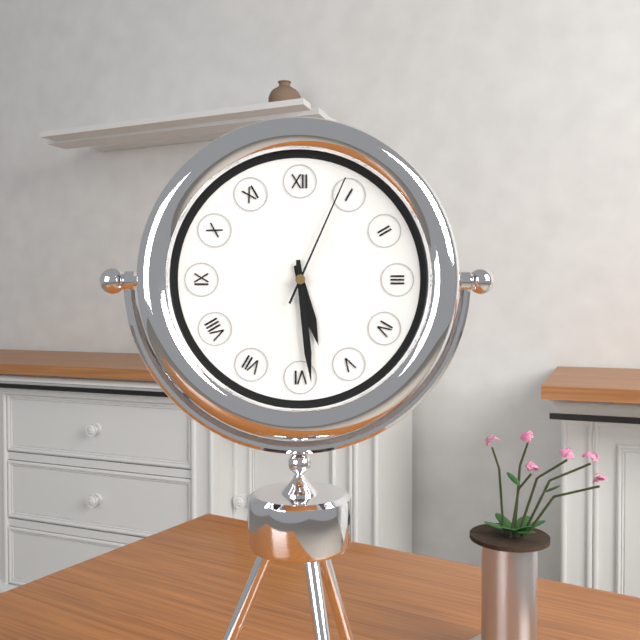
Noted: 5h29m04s
